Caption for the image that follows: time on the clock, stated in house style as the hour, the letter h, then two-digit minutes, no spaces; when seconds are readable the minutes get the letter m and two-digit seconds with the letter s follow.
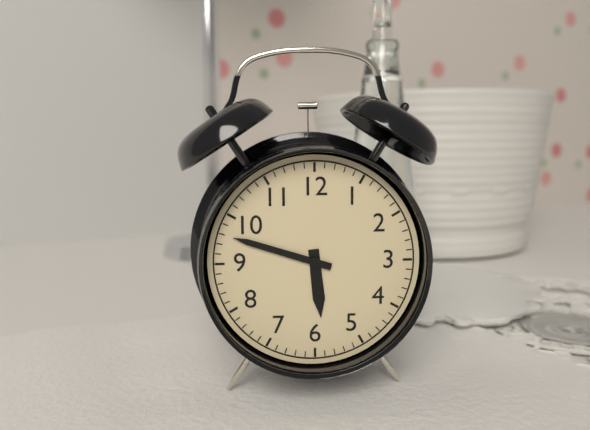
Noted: 5h48
